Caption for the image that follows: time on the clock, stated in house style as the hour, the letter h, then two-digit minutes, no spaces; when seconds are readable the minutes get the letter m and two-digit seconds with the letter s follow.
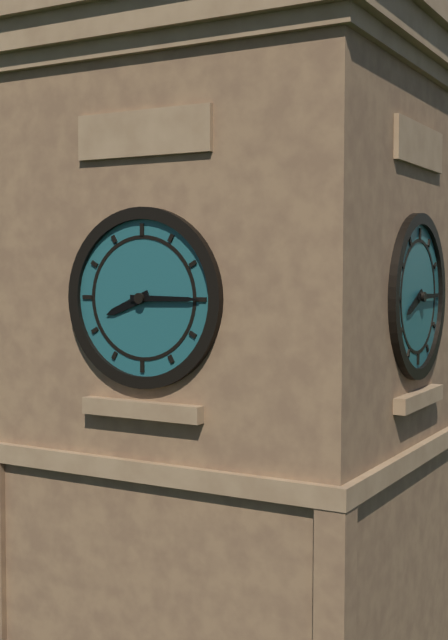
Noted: 8h15
